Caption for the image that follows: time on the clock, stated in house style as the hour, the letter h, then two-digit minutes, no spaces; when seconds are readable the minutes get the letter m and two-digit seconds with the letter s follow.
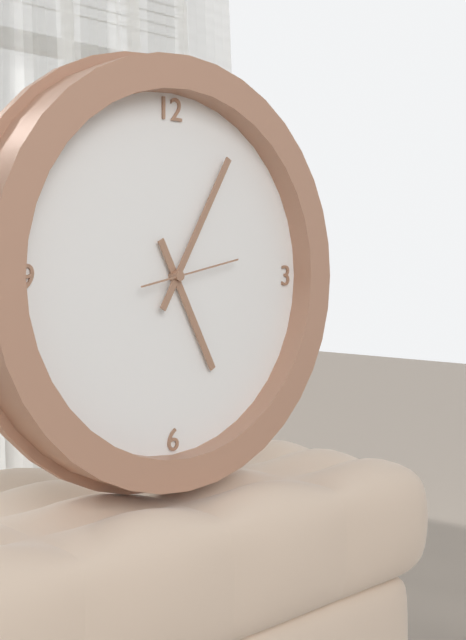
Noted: 5h05m13s
